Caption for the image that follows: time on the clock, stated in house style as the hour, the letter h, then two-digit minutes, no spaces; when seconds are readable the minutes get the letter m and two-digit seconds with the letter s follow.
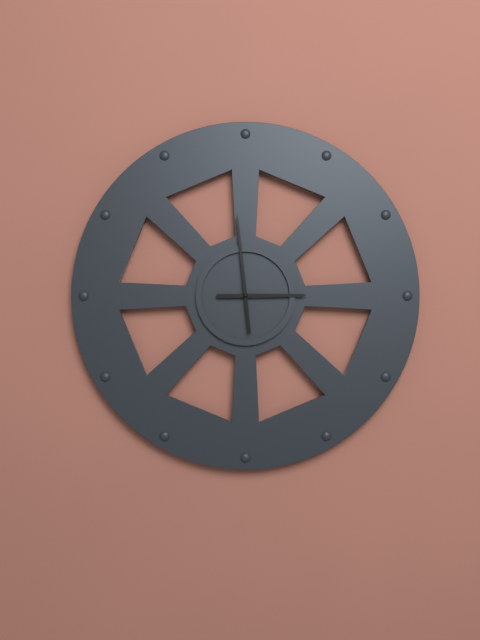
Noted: 2h59
